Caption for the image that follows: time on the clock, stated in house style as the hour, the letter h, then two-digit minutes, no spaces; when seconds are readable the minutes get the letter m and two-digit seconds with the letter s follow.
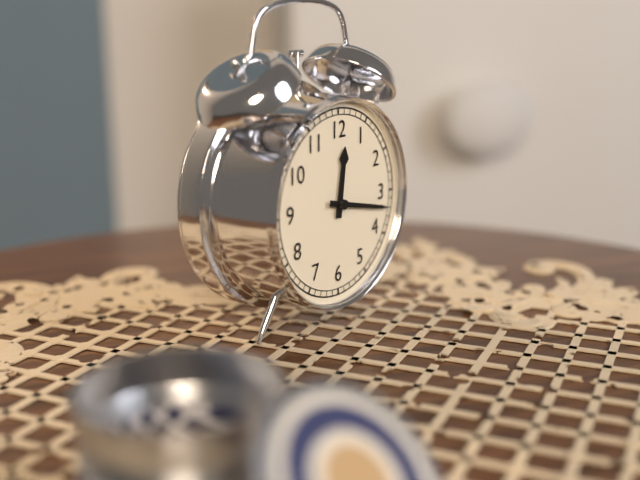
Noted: 12h17
